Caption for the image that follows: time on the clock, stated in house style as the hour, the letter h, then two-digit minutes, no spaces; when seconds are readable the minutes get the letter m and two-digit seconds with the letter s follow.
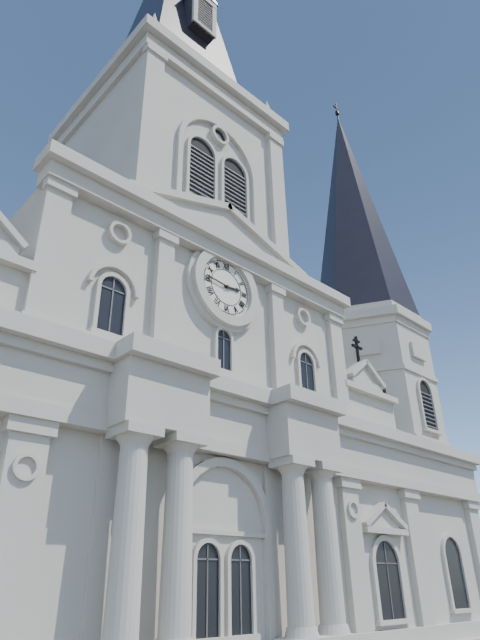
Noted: 2h46
